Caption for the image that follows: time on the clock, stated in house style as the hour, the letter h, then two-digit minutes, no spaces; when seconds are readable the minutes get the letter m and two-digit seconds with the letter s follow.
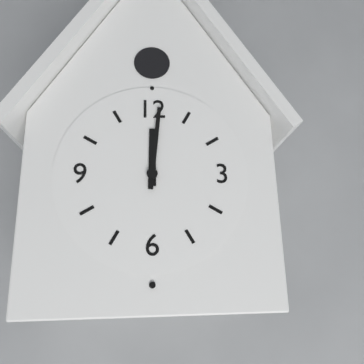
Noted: 12h01
